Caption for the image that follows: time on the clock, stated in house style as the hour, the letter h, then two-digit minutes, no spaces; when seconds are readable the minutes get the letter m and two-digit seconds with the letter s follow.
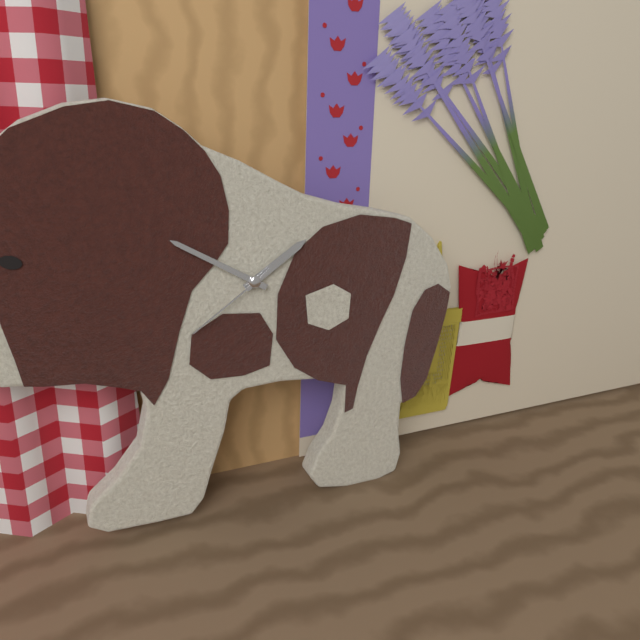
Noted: 1h50m39s
